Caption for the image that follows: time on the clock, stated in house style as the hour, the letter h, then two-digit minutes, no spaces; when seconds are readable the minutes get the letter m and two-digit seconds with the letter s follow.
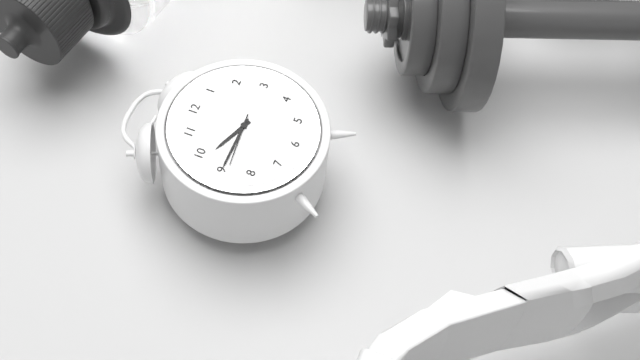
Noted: 9h45
